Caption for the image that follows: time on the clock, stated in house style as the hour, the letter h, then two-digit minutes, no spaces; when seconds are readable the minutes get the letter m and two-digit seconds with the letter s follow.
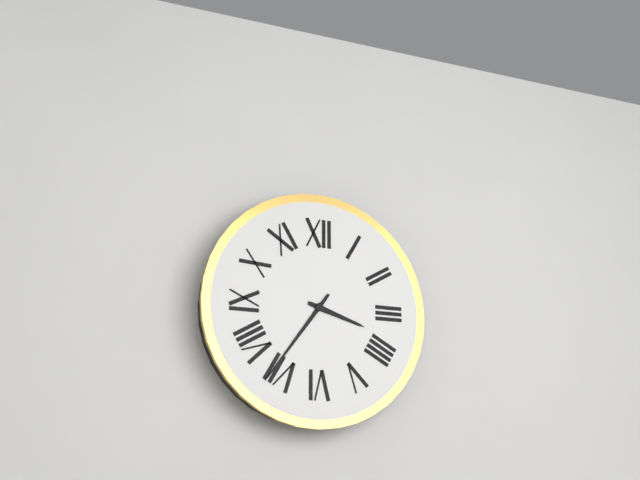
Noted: 3h36
